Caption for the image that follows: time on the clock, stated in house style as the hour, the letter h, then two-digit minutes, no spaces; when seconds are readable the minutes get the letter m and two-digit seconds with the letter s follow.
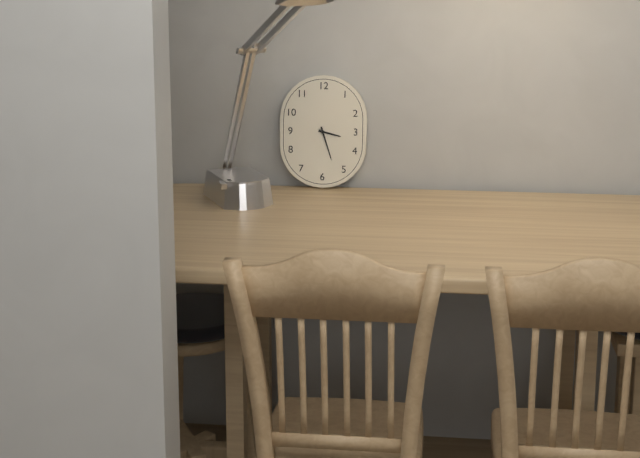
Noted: 3h27
